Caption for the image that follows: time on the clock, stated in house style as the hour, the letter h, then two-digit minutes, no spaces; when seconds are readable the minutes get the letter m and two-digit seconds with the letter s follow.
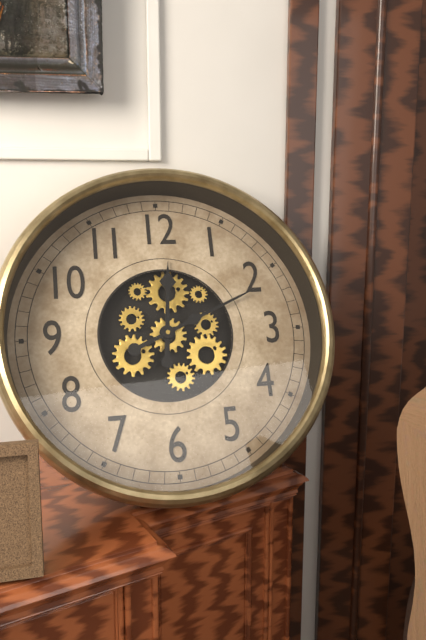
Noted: 12h11
